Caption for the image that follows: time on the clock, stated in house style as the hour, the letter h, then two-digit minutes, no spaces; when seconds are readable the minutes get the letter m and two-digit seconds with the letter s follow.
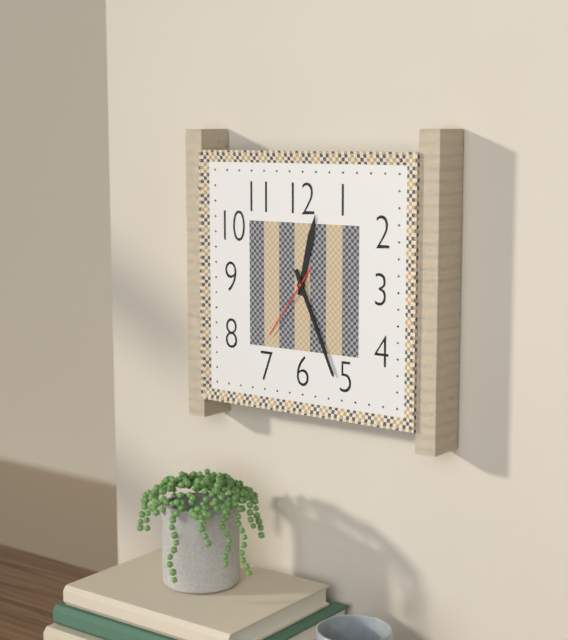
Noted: 12h26m36s
